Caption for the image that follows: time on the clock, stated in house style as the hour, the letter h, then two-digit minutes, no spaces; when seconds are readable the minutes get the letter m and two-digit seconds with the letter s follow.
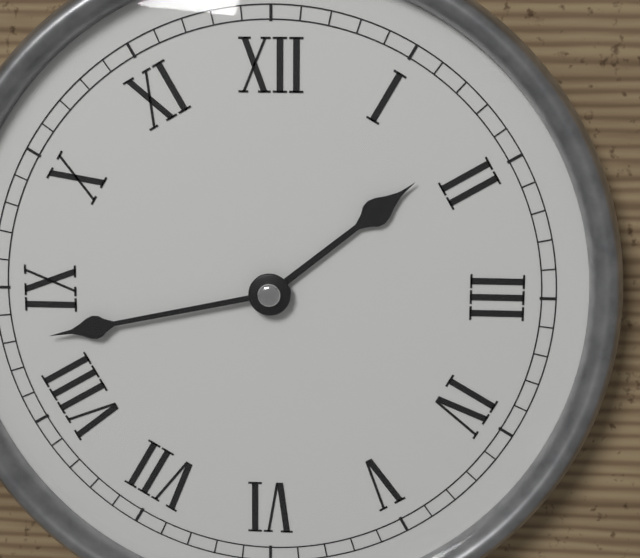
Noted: 1h43
